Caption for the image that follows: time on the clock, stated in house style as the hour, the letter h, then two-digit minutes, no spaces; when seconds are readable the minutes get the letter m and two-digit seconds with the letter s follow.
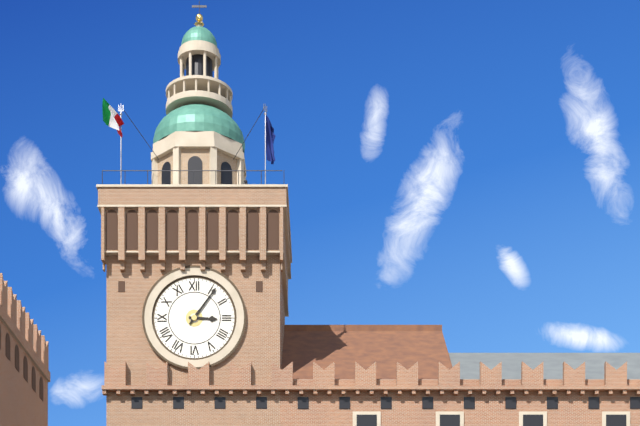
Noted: 3h06
